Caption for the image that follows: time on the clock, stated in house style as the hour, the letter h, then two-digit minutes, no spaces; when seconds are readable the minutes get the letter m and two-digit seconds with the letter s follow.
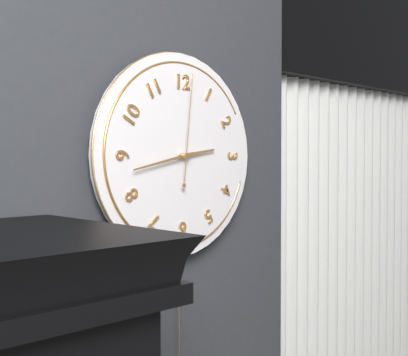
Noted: 2h43m01s
